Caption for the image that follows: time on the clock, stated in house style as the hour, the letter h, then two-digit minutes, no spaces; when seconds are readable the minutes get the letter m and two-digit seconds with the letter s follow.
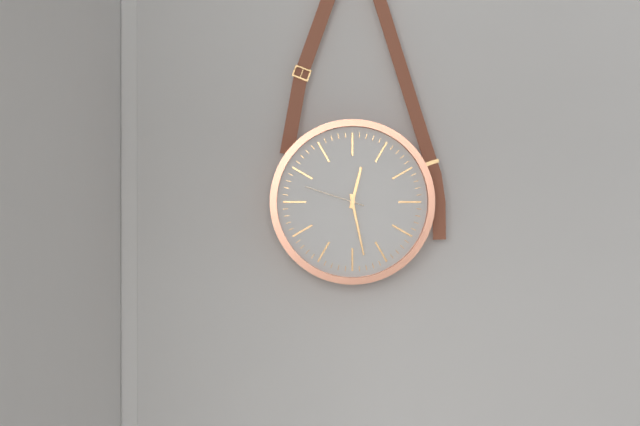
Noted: 12h28m48s
